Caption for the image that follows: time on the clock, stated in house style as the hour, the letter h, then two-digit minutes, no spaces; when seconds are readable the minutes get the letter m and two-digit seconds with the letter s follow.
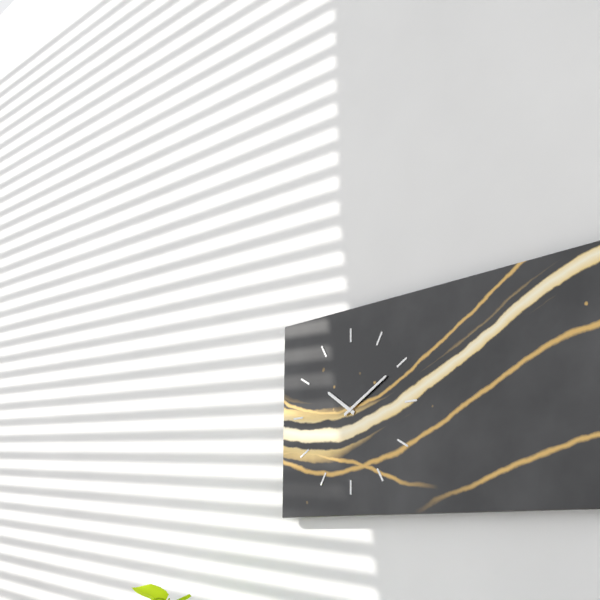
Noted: 10h10
